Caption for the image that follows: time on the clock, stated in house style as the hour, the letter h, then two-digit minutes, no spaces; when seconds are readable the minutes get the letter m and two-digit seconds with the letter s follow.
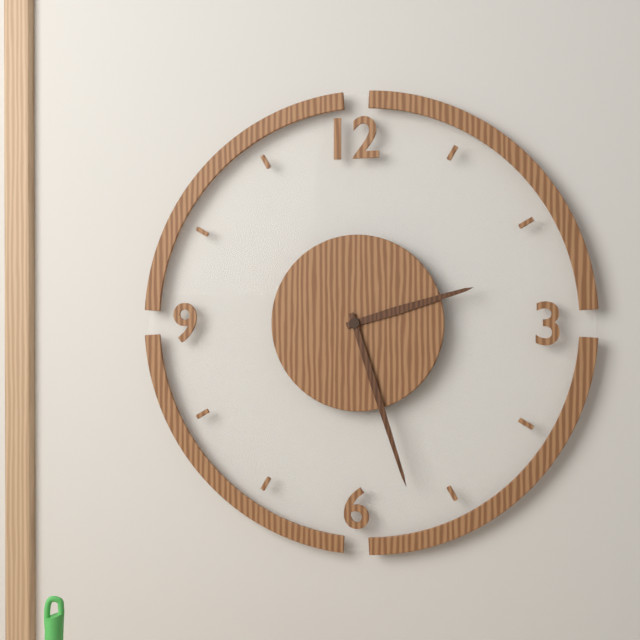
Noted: 2h27
